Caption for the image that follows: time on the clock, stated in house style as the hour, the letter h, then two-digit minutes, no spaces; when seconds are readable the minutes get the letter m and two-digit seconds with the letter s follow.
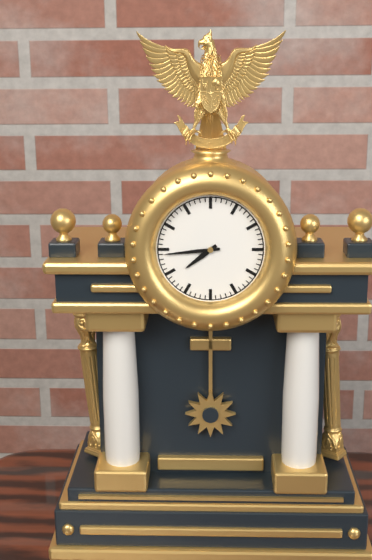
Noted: 7h44
